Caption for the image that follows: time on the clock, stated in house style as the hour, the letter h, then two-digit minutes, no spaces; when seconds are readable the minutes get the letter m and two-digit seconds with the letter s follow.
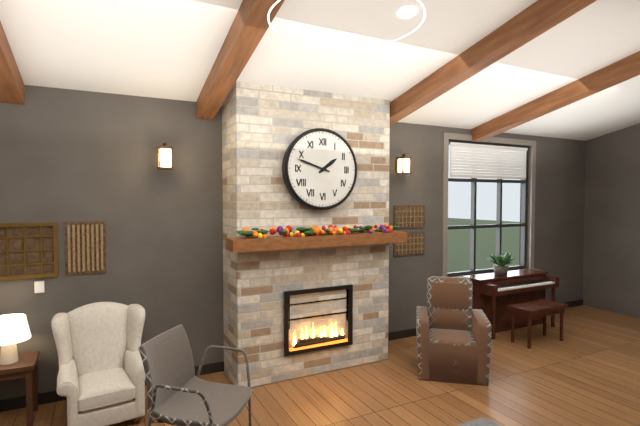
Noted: 1h48
